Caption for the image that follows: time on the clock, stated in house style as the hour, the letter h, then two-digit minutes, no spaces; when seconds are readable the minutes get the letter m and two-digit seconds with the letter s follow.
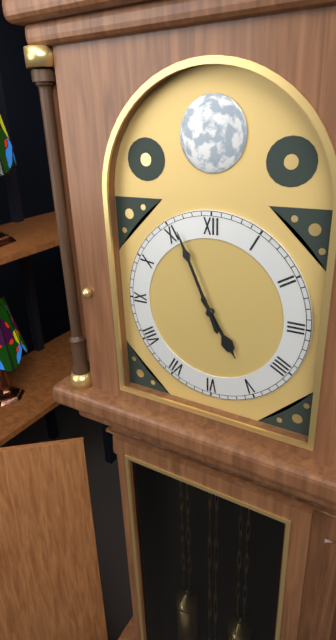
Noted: 4h56
